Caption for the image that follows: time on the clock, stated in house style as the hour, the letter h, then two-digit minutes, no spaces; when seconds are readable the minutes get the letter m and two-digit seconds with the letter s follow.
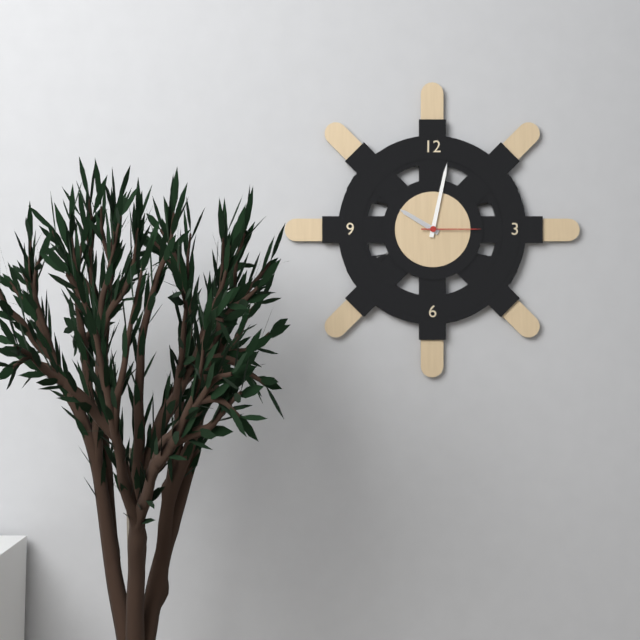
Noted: 10h02m15s
